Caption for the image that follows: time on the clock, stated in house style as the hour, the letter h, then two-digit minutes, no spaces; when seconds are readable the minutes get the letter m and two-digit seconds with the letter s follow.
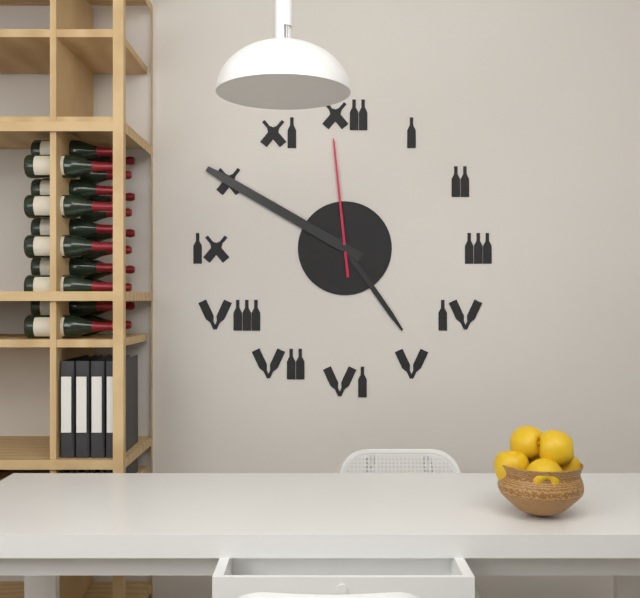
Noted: 4h50m59s
